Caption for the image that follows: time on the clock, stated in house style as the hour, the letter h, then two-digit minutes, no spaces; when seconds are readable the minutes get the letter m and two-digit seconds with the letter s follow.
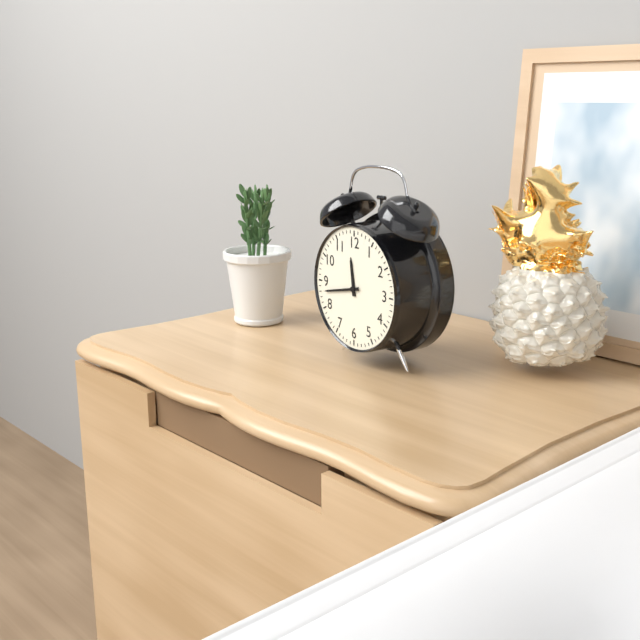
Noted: 11h43
